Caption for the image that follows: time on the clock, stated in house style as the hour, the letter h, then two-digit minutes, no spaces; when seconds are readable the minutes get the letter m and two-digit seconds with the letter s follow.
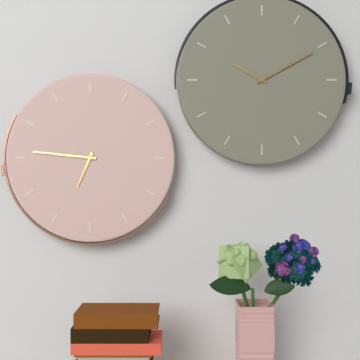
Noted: 6h46
